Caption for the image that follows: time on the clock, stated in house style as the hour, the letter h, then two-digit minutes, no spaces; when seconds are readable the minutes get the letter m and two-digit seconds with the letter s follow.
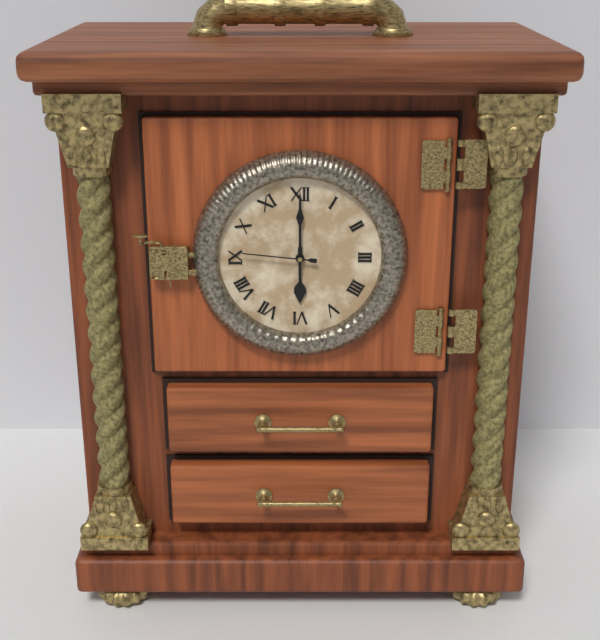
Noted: 6h00m46s
